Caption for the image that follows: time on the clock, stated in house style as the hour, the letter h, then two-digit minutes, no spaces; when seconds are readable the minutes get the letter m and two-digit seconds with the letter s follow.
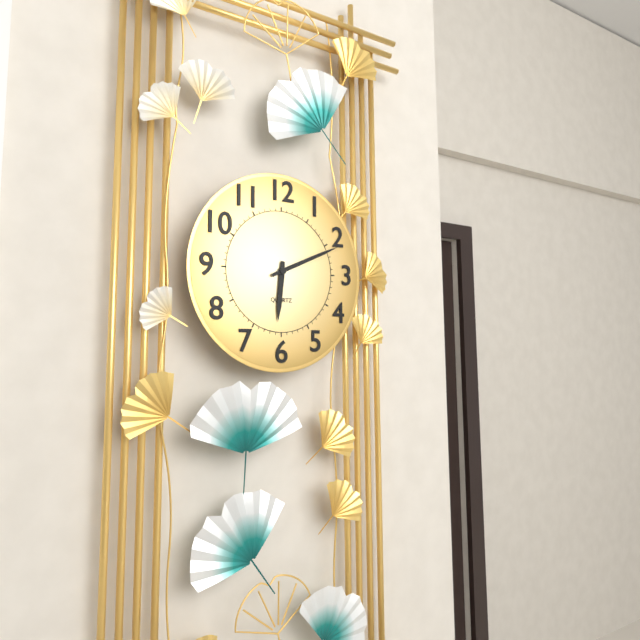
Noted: 6h11
